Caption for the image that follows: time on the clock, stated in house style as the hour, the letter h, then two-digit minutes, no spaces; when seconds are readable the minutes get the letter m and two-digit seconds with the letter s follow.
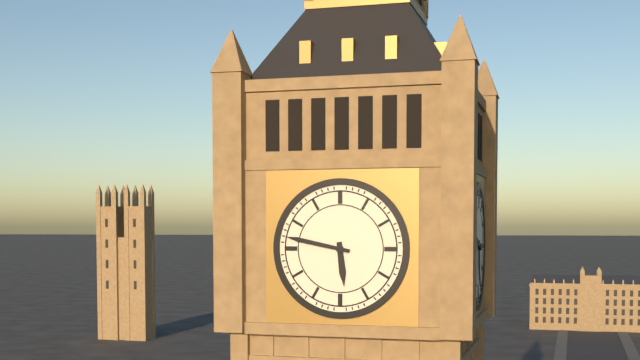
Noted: 5h47
